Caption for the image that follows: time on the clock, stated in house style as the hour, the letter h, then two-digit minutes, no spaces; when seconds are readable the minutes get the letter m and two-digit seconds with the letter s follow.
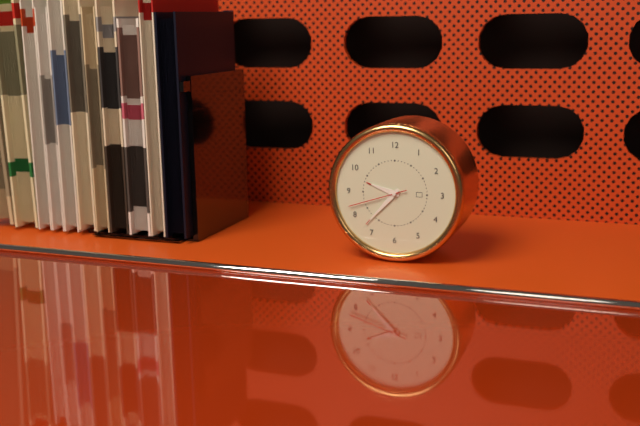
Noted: 9h37m42s
